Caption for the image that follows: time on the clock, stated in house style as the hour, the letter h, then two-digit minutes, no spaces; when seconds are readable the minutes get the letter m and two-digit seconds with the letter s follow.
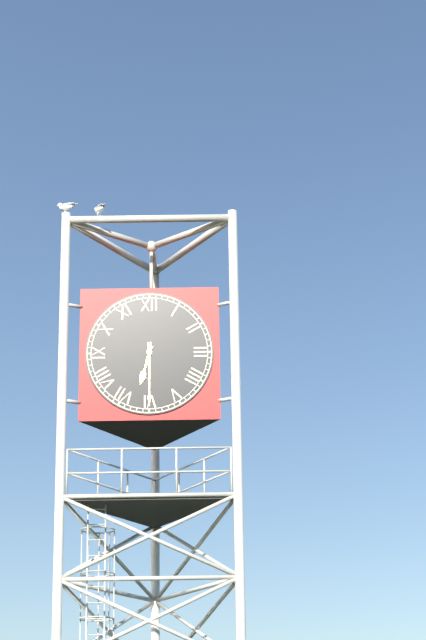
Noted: 6h30
